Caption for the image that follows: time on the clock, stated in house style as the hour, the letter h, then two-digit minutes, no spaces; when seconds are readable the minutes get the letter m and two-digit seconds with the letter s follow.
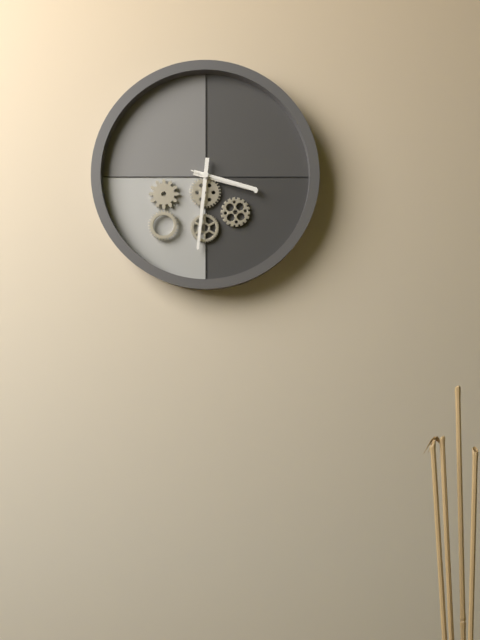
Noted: 3h31m18s
